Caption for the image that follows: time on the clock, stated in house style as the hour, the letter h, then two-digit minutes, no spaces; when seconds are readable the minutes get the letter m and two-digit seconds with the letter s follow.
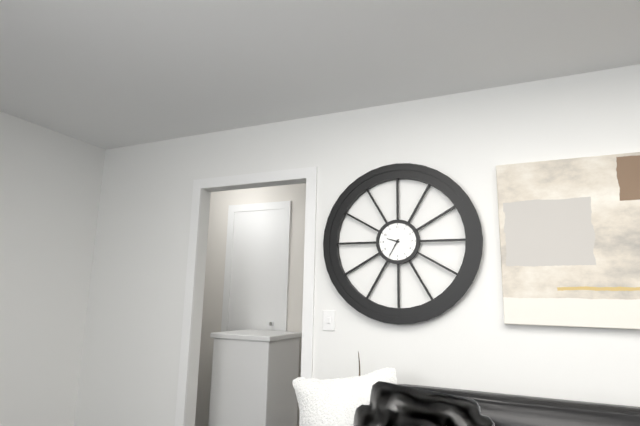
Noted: 9h35
